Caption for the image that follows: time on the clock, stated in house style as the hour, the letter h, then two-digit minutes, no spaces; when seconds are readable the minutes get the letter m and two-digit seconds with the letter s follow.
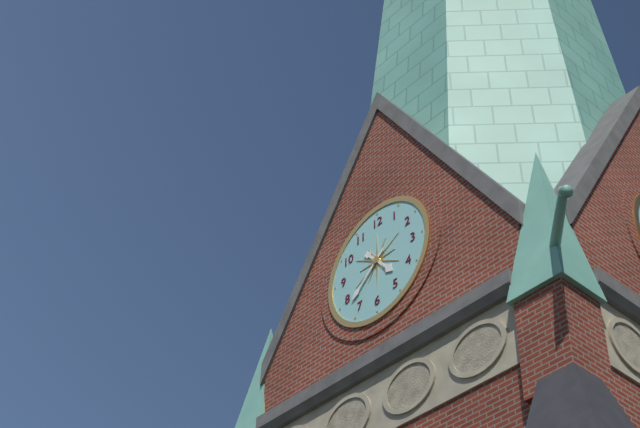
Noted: 4h38
